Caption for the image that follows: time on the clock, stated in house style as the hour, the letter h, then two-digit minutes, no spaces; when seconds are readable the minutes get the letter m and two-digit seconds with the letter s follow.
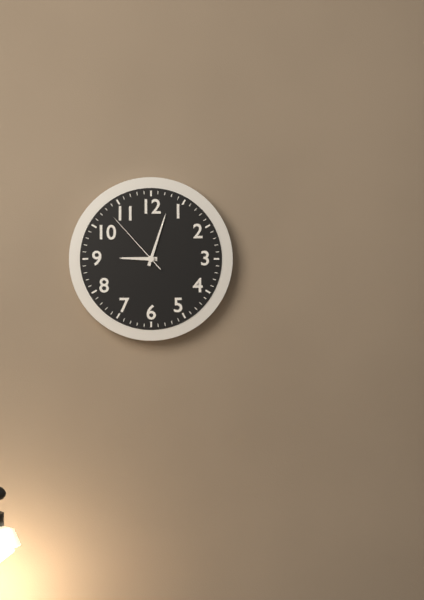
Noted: 9h03m53s
